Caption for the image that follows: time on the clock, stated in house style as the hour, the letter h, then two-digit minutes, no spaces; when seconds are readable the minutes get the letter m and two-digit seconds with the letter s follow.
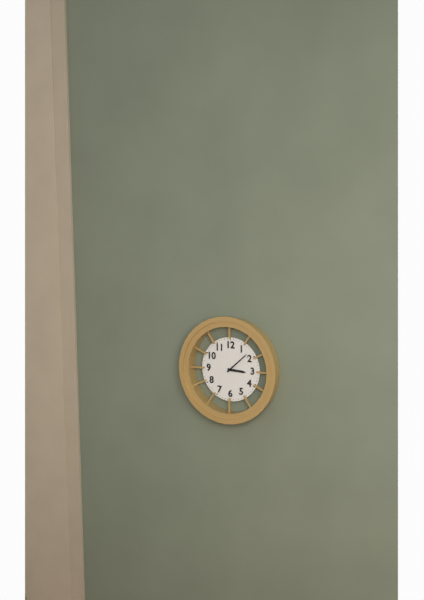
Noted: 3h08
